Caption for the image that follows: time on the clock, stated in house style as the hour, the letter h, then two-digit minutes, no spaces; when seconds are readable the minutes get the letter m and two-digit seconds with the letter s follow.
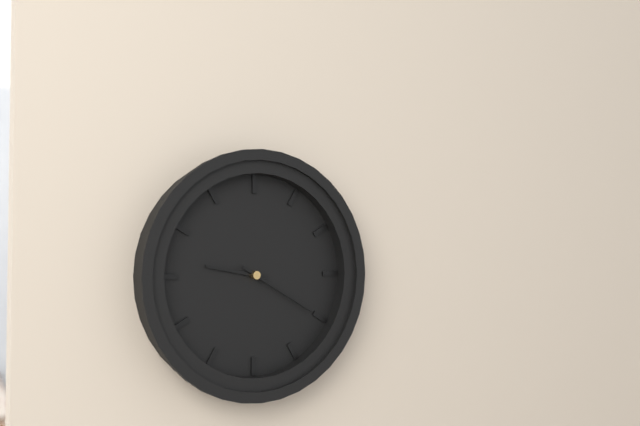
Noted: 9h20
